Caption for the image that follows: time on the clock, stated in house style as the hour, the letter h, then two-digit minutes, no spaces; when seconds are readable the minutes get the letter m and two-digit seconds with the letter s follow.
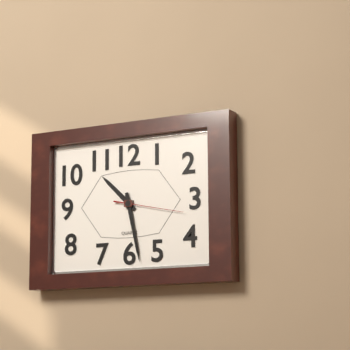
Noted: 10h28m17s
